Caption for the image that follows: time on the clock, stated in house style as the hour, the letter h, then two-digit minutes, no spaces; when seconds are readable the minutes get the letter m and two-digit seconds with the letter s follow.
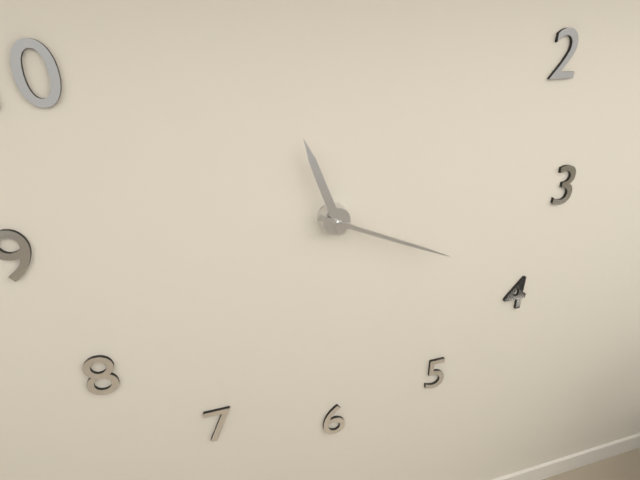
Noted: 11h19
